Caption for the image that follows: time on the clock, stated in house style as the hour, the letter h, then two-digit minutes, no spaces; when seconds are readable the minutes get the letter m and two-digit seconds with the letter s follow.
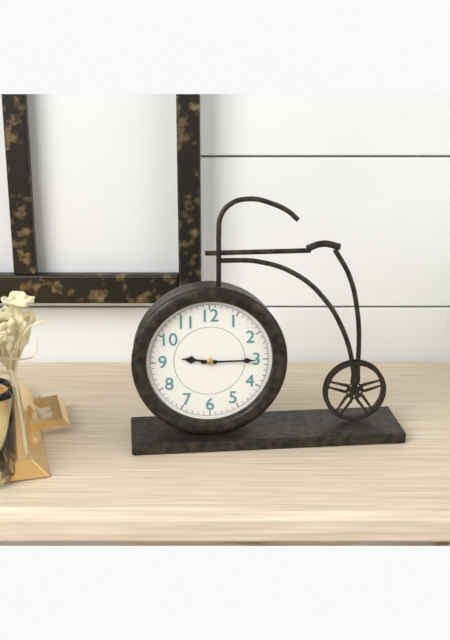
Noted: 9h15
